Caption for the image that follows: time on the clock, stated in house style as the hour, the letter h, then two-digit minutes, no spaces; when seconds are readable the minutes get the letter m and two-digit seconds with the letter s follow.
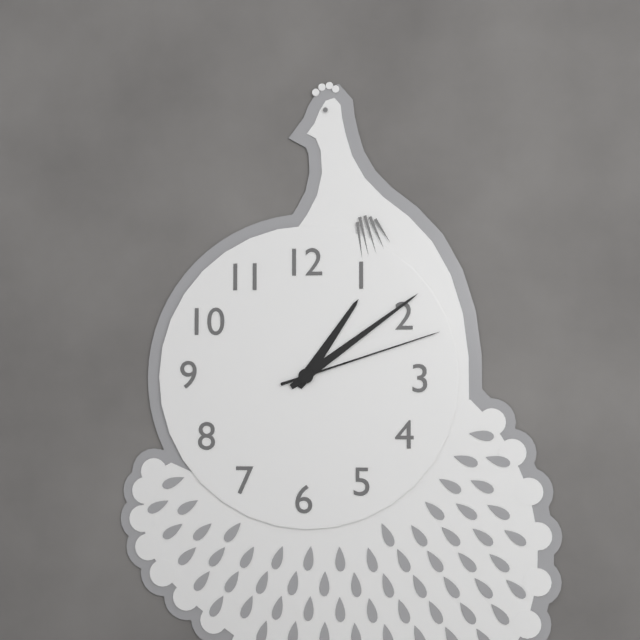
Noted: 1h09m12s
